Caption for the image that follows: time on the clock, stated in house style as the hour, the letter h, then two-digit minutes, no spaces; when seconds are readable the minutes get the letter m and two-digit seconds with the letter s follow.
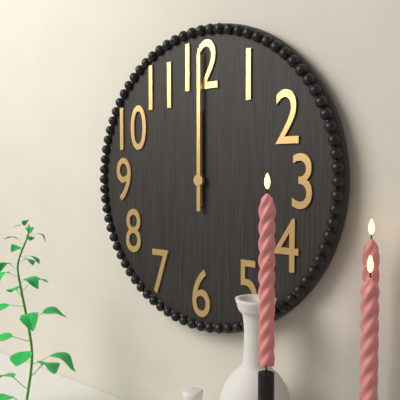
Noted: 12h00
